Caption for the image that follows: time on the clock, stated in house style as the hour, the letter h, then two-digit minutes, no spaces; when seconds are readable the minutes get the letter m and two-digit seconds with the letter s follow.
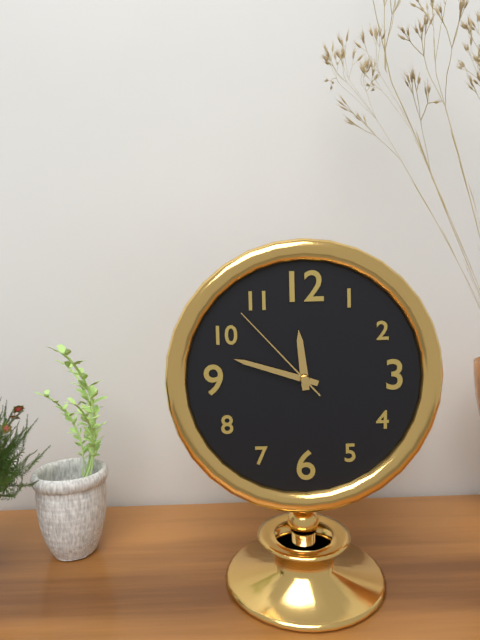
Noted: 11h48m53s
